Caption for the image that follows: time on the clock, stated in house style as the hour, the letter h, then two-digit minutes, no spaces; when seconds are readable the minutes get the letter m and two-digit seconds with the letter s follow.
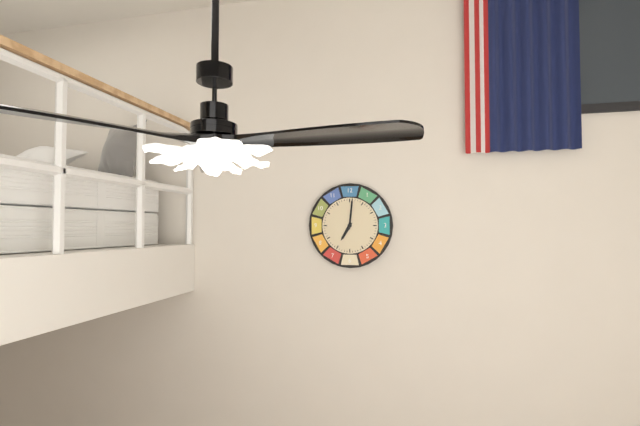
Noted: 7h01
